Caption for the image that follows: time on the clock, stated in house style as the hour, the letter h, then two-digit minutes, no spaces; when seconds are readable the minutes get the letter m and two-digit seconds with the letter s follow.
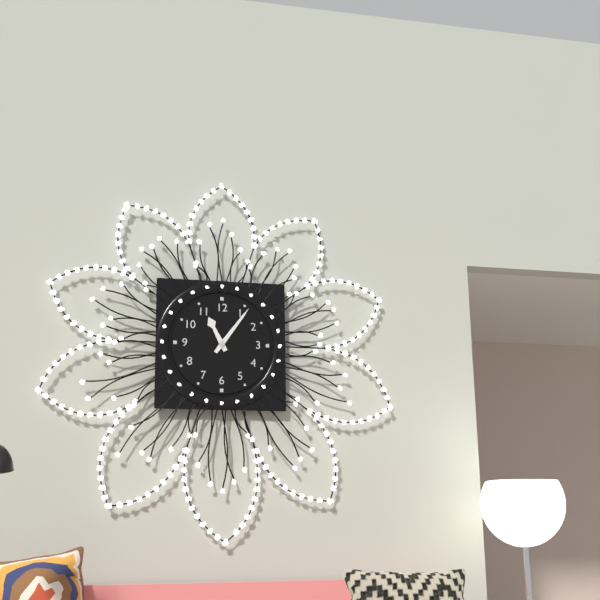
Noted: 11h06
